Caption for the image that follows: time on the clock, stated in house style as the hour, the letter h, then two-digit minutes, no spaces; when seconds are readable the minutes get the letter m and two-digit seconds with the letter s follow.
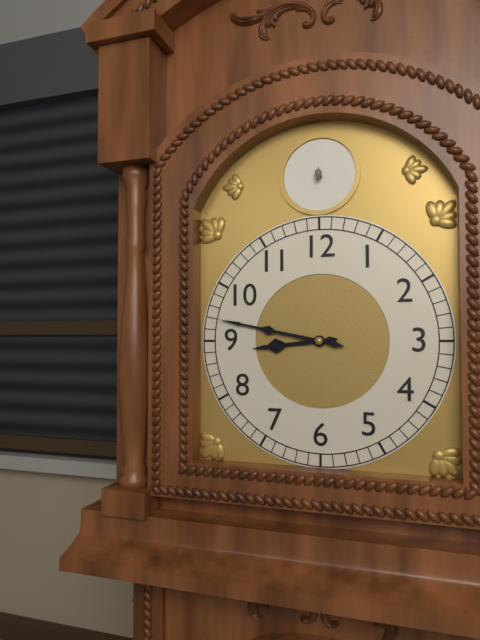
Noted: 8h47
